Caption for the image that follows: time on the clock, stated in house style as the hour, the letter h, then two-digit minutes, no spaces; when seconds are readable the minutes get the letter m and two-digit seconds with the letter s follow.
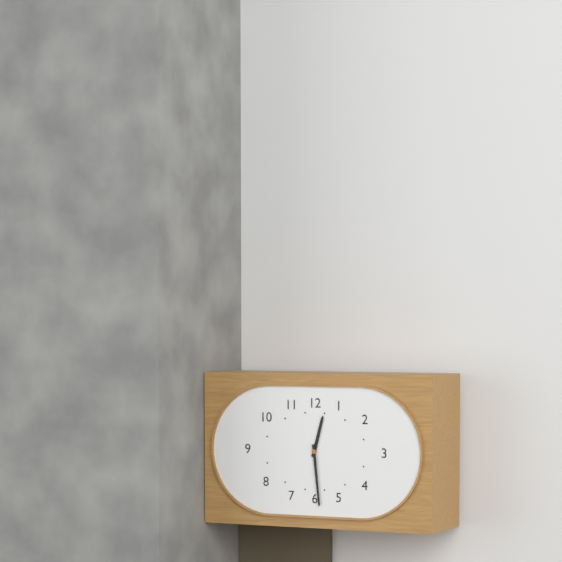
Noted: 12h29
